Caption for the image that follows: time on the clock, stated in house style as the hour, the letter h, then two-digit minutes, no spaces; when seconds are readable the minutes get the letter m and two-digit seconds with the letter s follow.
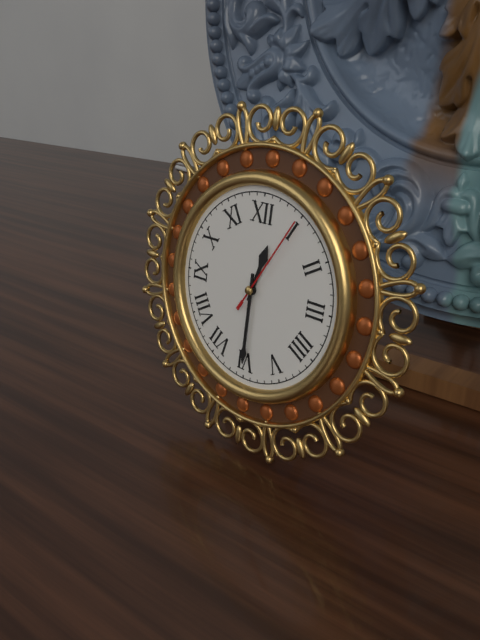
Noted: 12h30m05s
